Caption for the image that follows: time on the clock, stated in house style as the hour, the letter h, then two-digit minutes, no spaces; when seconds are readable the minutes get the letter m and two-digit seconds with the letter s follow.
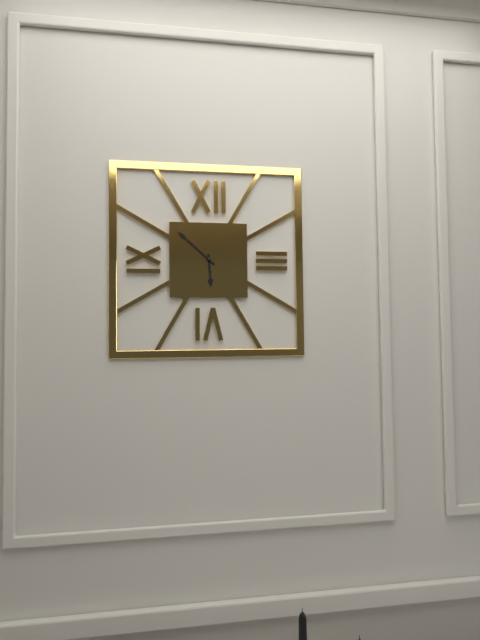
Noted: 5h52
